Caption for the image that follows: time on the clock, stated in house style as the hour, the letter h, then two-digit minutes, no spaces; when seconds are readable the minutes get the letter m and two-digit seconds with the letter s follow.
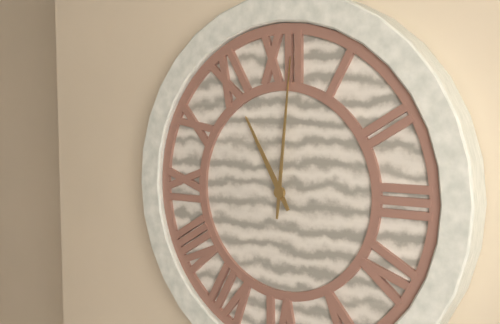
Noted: 11h01
